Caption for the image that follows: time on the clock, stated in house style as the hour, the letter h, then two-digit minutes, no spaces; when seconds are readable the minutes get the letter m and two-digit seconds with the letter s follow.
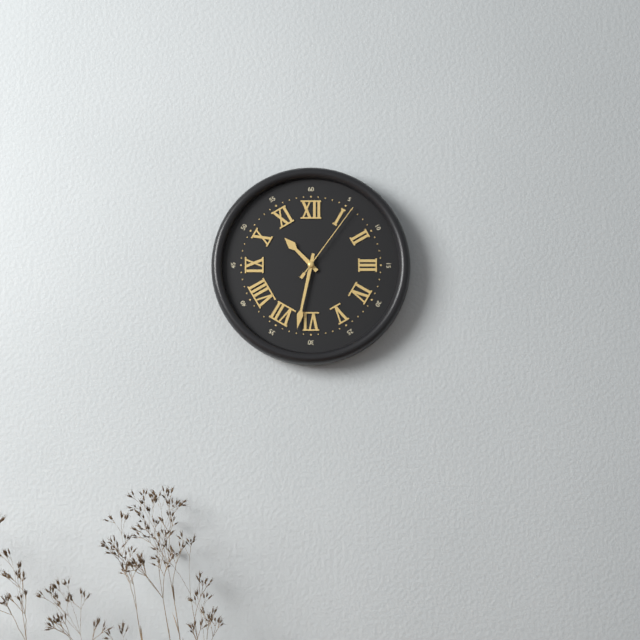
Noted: 10h32m06s
